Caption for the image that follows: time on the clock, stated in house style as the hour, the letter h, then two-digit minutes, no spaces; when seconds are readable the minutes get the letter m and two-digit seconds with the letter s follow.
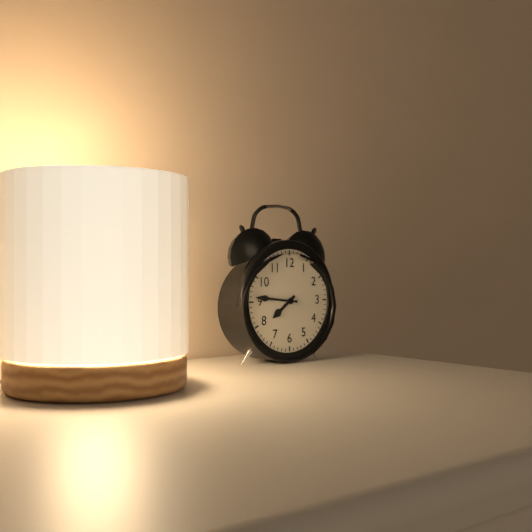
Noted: 7h46
